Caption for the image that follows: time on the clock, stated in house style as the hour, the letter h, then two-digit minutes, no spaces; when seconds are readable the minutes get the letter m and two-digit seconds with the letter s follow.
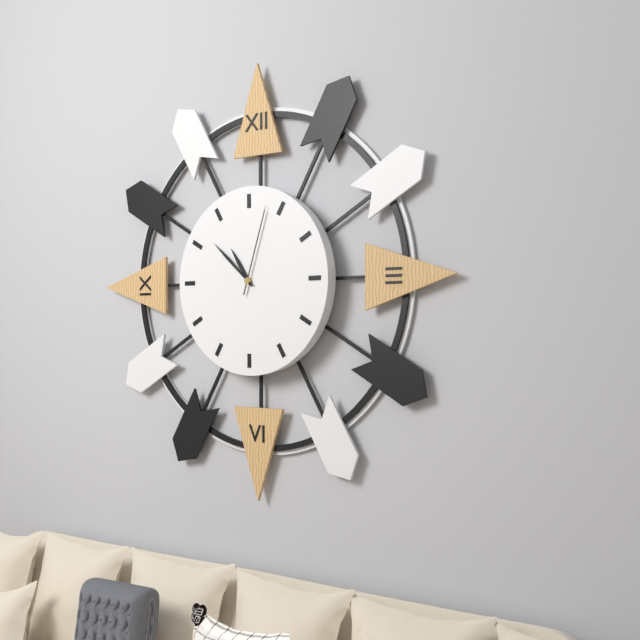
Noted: 10h52m03s
